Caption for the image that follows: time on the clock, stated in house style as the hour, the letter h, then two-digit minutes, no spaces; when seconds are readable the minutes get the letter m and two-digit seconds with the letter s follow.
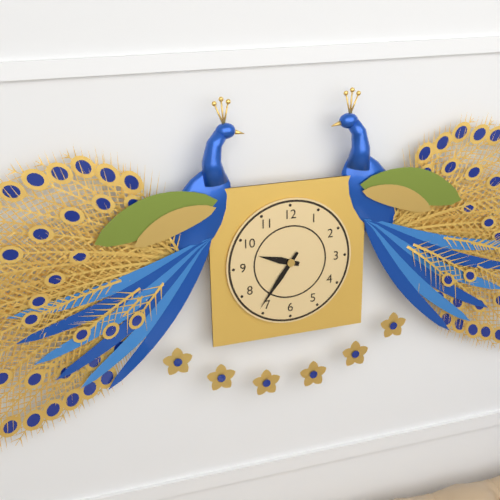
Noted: 9h36
